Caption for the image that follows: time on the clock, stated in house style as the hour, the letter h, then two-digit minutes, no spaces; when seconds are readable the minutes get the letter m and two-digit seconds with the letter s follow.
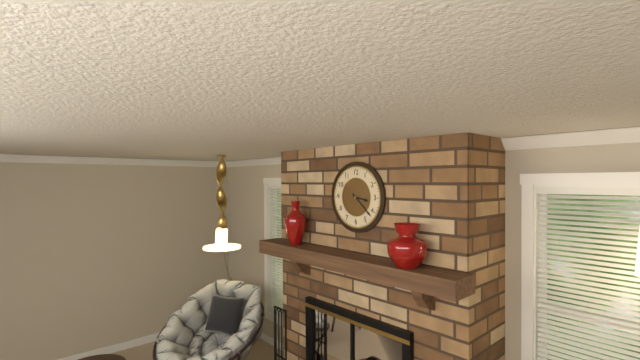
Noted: 3h22
